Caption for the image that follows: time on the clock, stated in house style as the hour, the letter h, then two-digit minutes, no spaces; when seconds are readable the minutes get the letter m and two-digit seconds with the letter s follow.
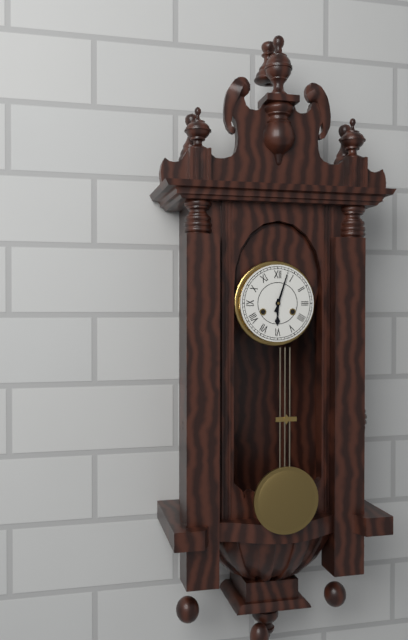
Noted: 6h03
